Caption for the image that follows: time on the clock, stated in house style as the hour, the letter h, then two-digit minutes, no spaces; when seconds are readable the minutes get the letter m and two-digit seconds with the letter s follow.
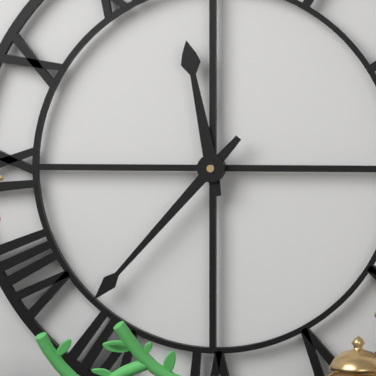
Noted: 11h37
